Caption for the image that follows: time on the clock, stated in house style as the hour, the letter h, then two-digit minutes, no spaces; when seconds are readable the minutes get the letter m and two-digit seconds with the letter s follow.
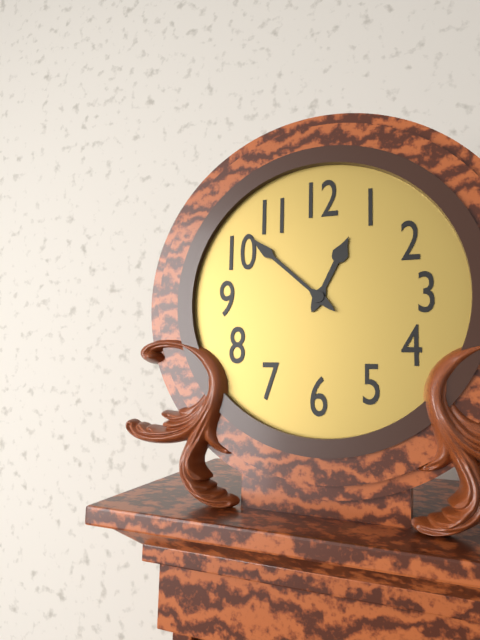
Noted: 12h52
